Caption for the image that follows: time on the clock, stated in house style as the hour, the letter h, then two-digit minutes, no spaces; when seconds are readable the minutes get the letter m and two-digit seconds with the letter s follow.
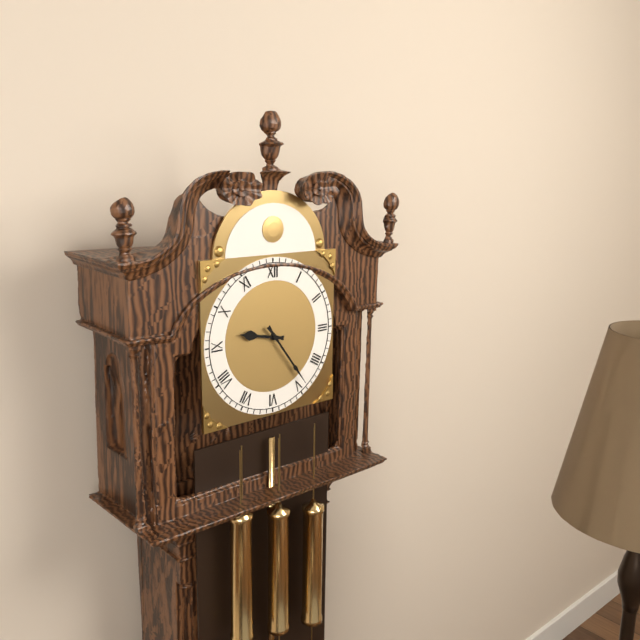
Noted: 9h24
